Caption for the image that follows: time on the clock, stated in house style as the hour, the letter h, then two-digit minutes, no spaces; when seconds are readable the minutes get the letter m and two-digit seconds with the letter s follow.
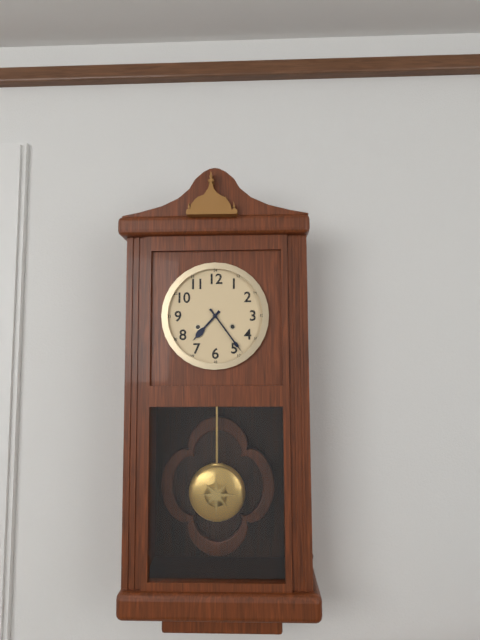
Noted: 7h24
